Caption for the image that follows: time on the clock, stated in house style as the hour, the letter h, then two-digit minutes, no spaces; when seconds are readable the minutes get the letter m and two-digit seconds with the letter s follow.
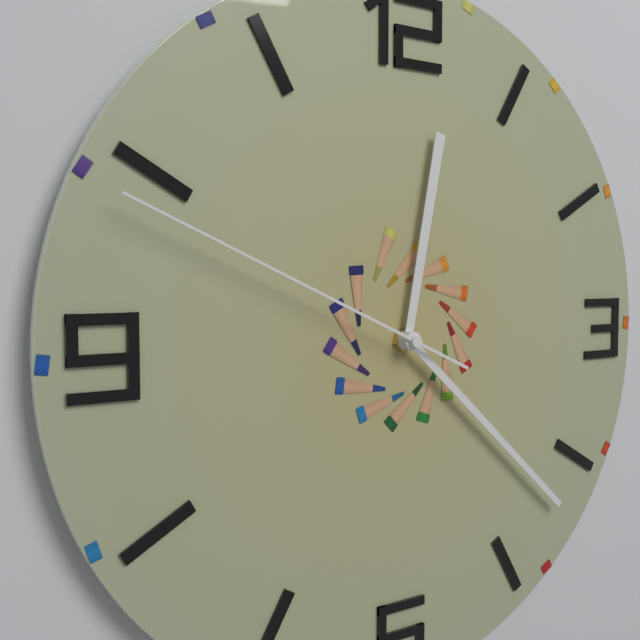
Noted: 12h22m49s
